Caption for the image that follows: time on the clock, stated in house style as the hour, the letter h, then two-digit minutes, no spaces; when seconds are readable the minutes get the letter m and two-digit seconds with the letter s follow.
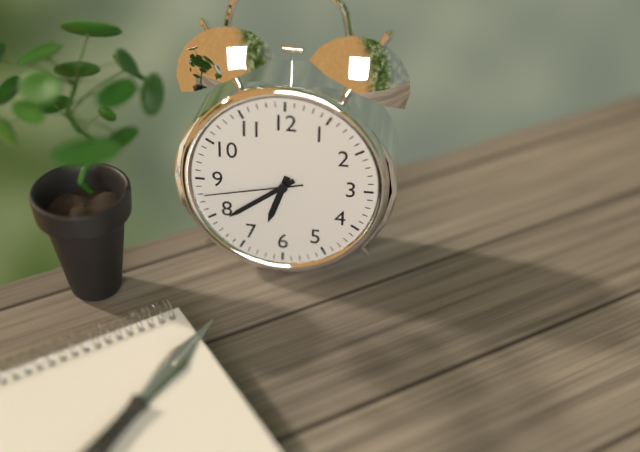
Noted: 6h39m43s
